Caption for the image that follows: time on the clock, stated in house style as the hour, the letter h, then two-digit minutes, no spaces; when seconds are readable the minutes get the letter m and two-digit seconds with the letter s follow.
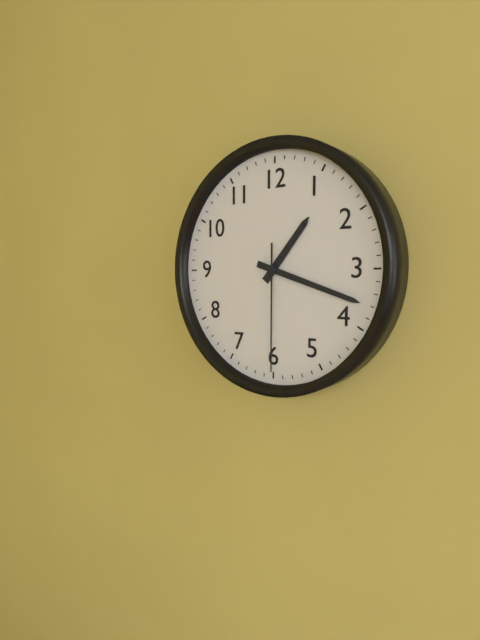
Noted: 1h18m30s
